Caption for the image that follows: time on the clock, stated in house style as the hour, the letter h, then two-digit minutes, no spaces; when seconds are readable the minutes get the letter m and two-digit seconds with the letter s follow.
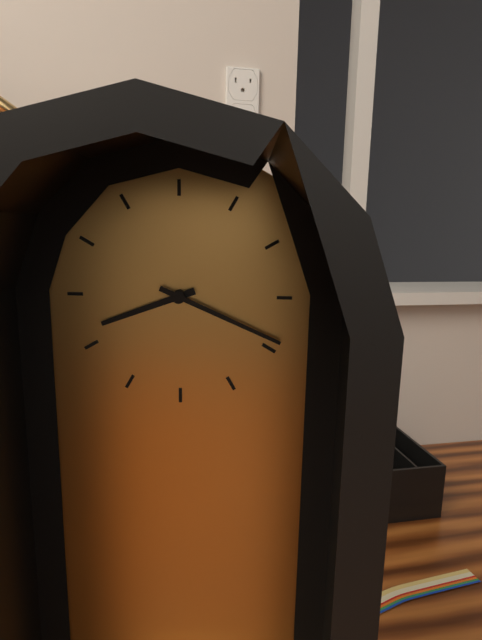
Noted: 8h19
